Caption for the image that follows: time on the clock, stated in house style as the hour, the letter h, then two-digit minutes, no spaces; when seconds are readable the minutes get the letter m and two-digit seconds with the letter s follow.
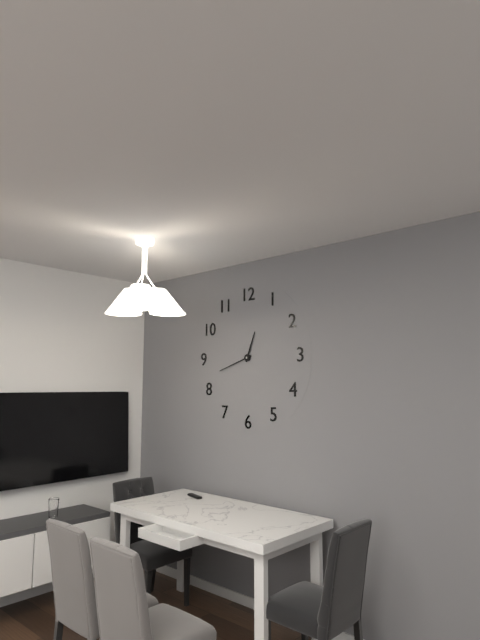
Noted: 12h42
